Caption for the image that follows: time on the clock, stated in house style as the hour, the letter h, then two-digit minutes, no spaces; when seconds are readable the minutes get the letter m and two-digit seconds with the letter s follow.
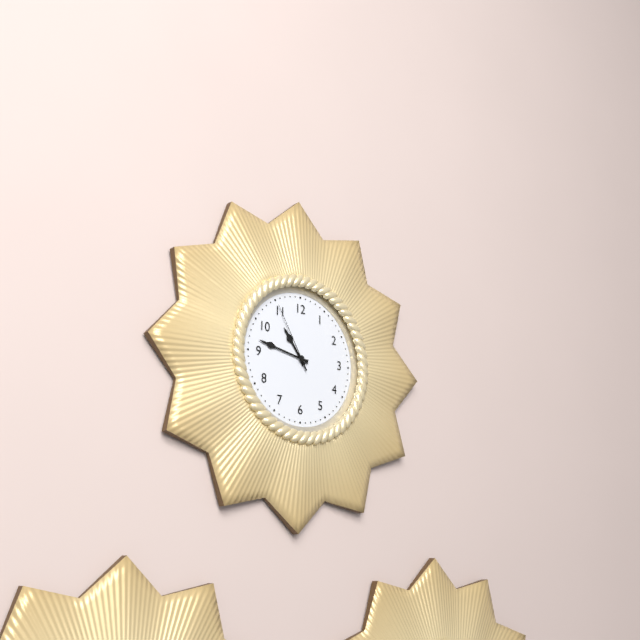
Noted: 10h47m55s
